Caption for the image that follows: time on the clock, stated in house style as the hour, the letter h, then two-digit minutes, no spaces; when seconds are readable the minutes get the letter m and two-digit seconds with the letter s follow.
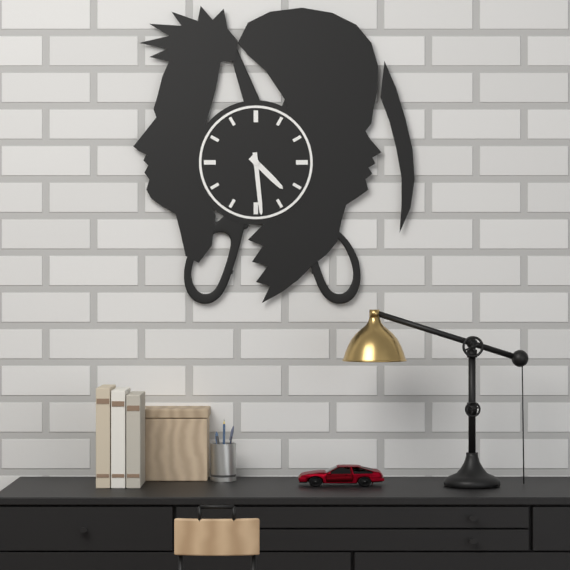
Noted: 4h29
